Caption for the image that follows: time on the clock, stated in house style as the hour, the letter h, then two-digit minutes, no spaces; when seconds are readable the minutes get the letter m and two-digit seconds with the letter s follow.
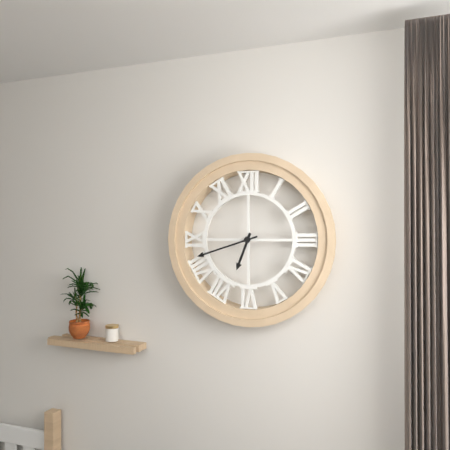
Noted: 6h42
